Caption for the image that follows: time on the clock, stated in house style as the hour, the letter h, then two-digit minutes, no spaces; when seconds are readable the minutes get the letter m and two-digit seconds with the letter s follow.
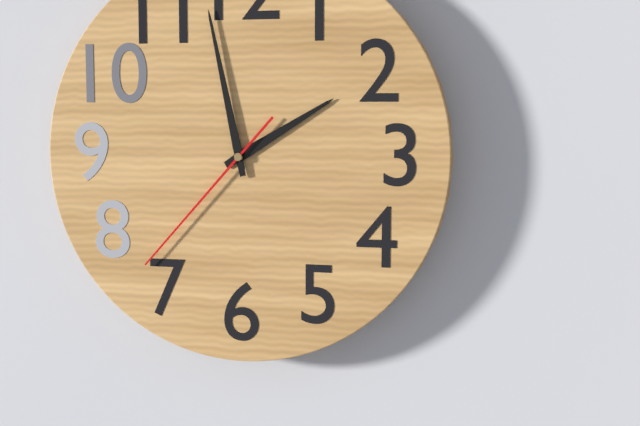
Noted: 1h58m37s
